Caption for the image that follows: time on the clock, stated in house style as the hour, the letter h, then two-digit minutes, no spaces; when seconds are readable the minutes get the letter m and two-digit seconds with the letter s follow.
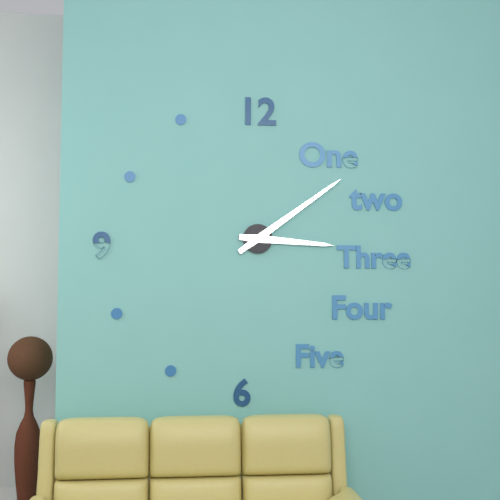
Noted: 3h09
